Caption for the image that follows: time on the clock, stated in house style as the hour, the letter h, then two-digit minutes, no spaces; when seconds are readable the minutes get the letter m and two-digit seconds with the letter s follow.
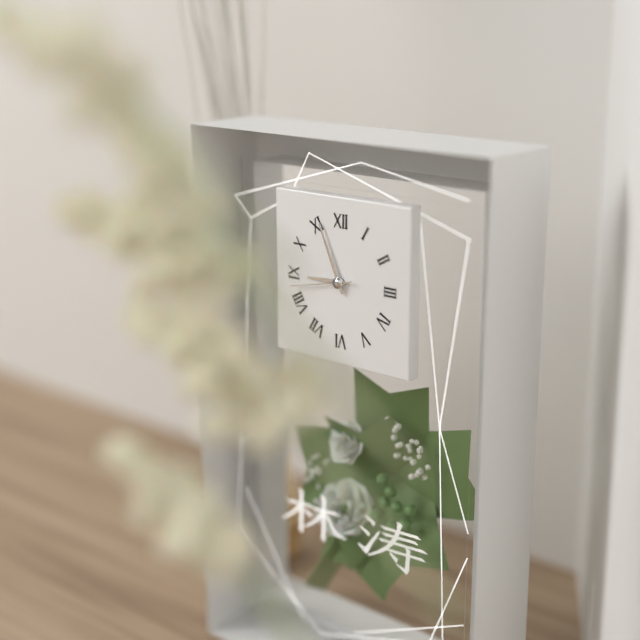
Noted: 8h56m43s
